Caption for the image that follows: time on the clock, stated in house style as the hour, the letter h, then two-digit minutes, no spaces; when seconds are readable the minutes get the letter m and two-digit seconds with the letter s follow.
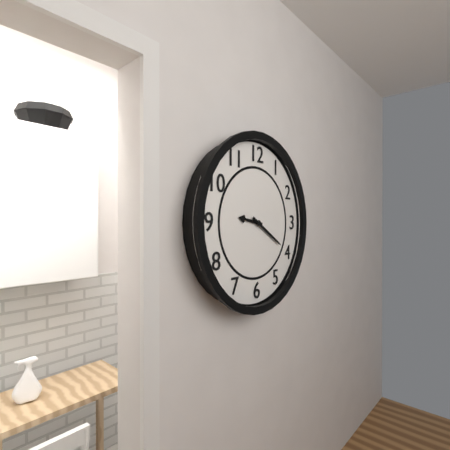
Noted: 9h20
